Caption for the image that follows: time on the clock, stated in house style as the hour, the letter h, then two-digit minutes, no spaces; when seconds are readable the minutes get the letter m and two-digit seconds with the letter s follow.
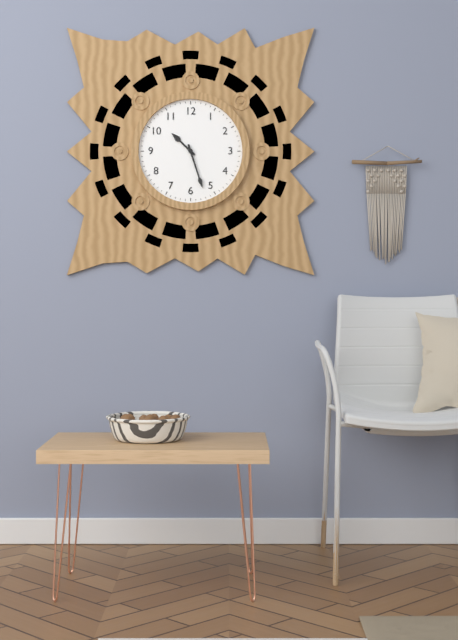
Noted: 10h27
